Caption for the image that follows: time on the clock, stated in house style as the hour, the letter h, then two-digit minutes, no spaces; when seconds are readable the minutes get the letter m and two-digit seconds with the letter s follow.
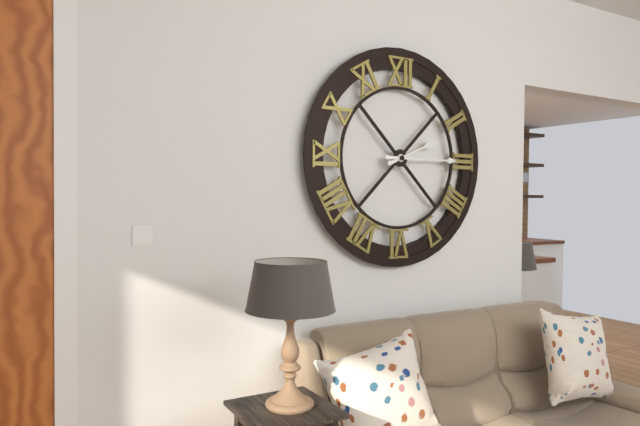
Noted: 2h15
